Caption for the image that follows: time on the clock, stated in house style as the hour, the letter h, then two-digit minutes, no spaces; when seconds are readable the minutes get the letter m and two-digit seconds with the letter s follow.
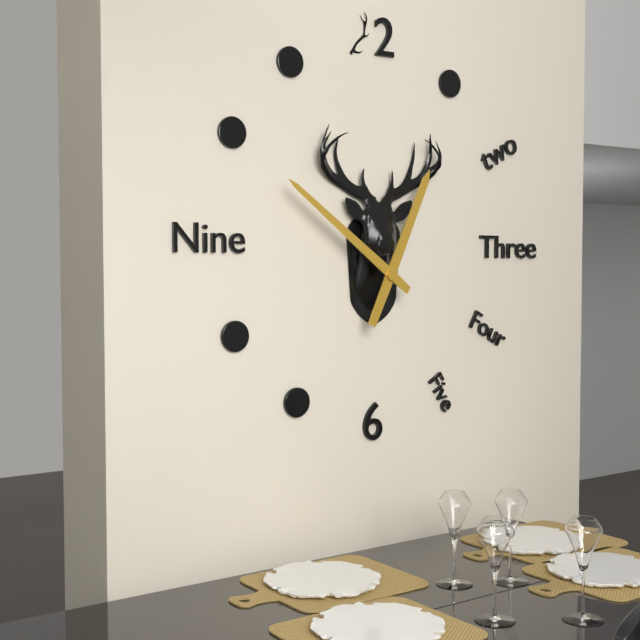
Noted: 12h51
